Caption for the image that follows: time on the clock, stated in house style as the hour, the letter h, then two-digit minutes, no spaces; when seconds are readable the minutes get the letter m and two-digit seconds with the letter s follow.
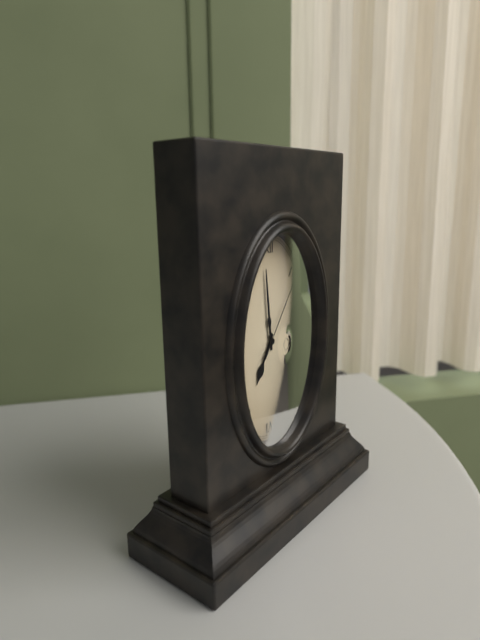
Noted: 6h59m06s
